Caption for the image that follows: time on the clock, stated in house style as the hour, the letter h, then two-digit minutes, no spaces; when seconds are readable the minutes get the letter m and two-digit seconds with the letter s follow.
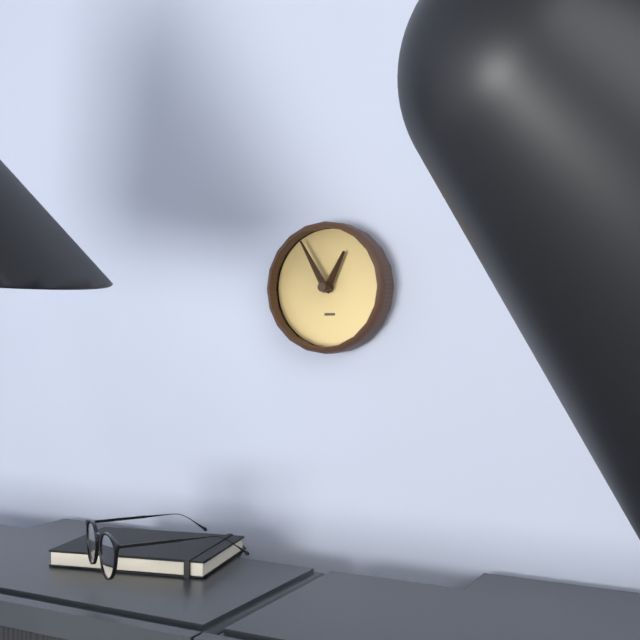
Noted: 12h55
